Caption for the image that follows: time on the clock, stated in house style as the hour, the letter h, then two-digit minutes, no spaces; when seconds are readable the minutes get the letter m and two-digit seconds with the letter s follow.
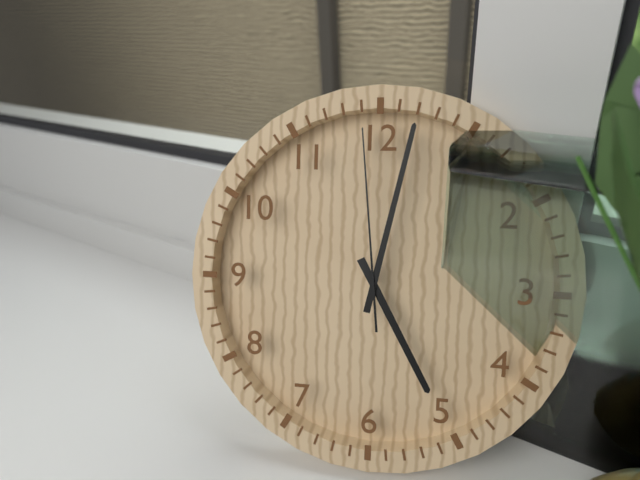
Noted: 5h02m59s
